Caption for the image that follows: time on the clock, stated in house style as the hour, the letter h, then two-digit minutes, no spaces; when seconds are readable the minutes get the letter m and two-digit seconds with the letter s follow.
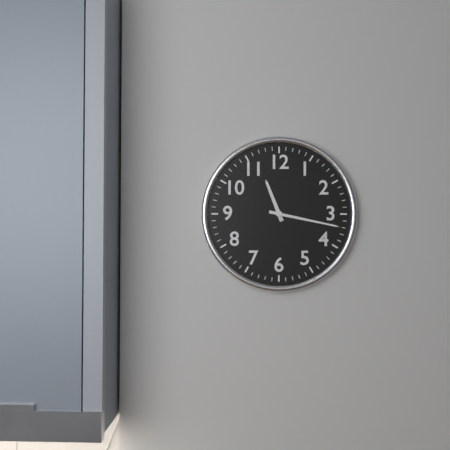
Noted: 11h17
